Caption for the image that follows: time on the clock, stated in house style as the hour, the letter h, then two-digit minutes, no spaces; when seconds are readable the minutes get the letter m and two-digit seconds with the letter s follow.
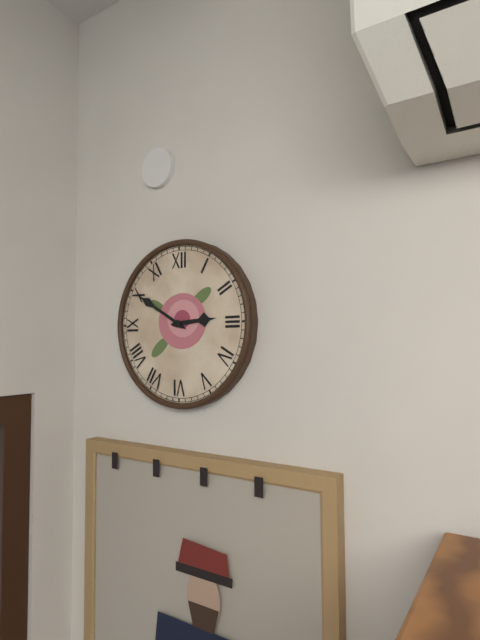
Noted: 2h50
